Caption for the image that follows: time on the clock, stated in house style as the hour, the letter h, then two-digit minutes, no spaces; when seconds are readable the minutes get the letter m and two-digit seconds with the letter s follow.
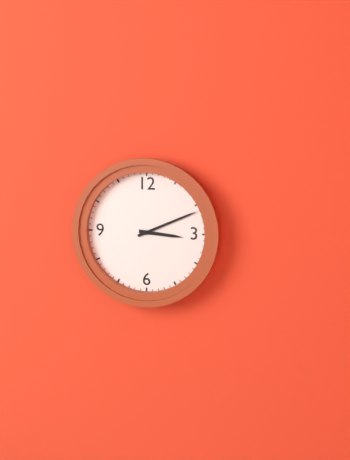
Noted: 3h11
